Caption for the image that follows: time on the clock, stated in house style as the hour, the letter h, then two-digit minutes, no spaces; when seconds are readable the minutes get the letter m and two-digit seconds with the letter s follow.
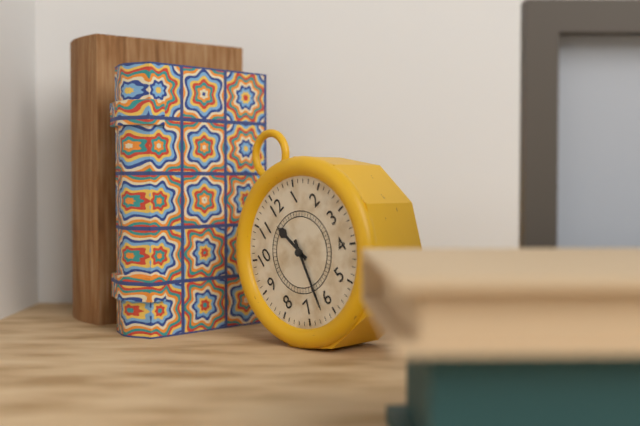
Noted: 11h32
